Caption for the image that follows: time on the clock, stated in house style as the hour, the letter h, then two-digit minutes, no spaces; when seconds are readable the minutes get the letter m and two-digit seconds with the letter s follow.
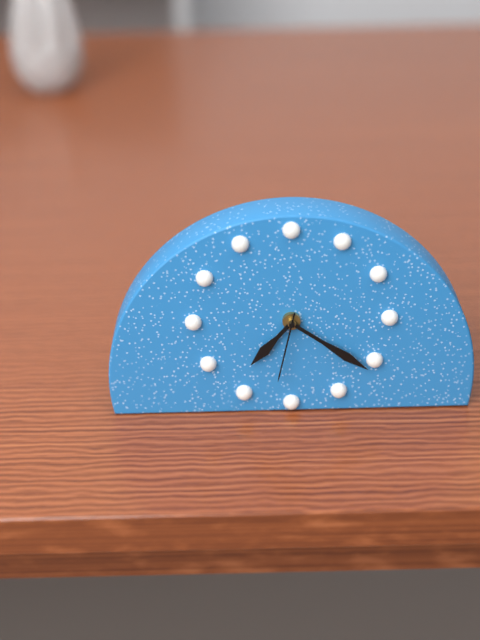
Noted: 7h21m32s
